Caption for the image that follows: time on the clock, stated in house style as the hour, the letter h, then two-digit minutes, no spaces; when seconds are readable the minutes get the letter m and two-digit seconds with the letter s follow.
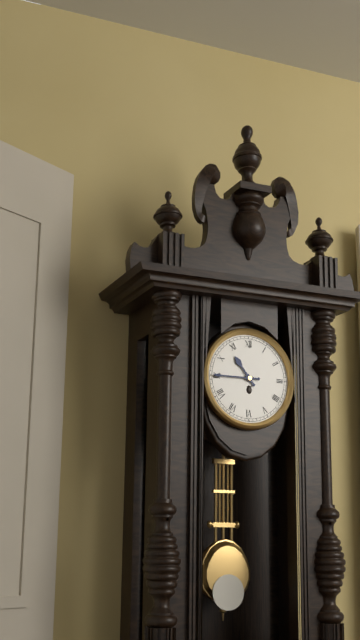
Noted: 10h45
